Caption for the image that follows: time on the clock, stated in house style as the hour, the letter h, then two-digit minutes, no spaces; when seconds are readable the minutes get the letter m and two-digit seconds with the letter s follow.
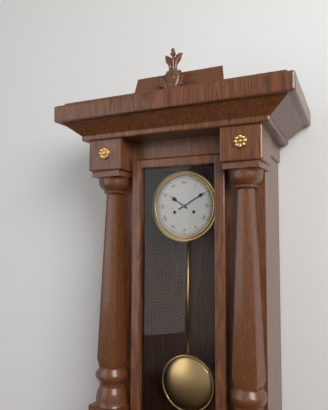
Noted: 10h10
